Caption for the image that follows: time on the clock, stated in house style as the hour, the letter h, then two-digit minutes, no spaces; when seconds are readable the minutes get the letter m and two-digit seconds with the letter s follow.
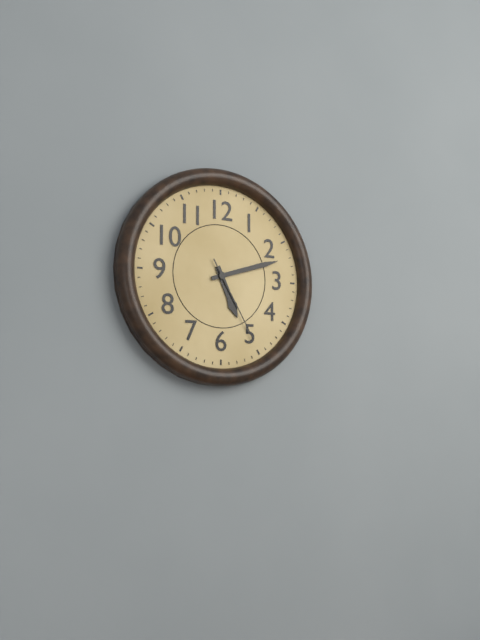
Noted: 5h12m25s
